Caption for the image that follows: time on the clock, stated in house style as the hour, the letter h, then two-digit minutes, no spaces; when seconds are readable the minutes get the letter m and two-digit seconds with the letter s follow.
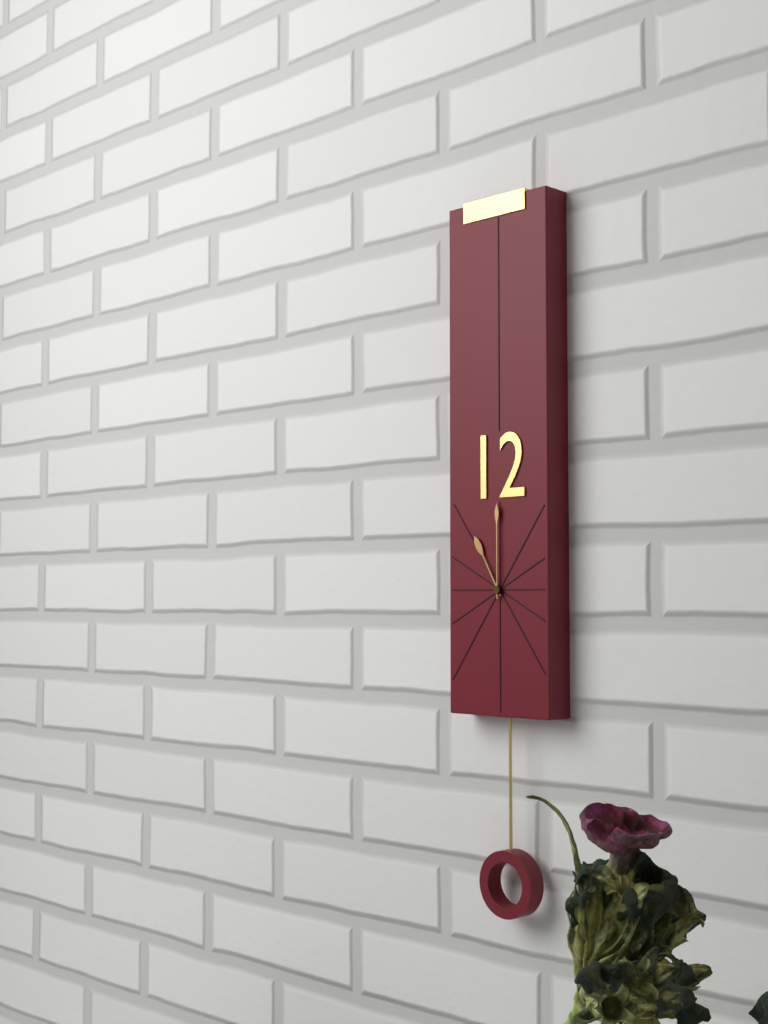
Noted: 11h00
